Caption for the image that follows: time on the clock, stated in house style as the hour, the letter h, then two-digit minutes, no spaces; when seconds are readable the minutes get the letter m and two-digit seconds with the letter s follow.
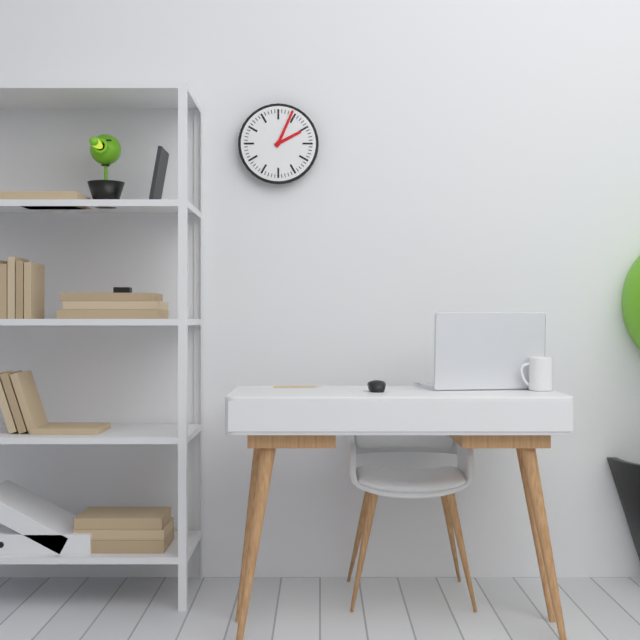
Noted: 2h04
